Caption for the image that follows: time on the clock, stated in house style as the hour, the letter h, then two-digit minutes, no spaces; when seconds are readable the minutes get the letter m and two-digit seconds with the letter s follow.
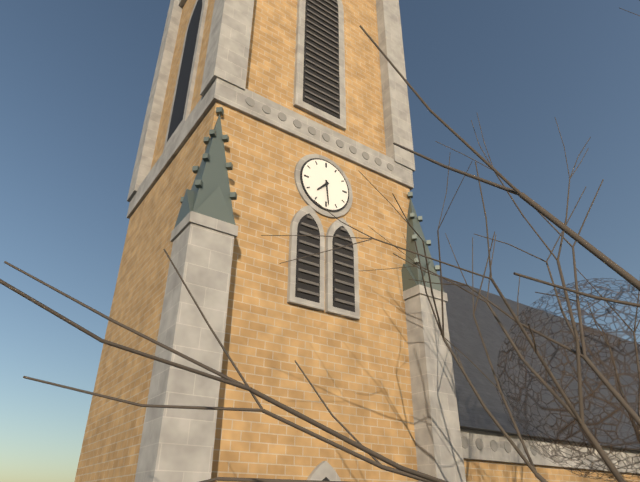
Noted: 7h29
